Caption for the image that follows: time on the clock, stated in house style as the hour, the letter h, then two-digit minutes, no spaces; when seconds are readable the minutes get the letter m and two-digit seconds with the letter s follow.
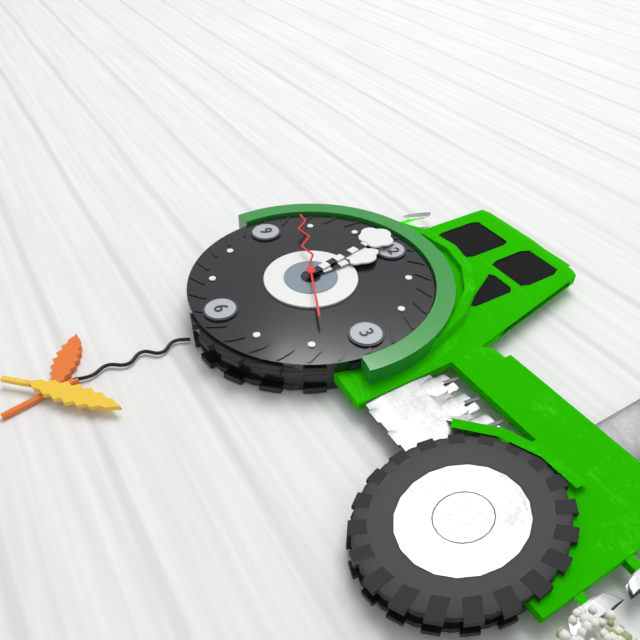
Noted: 11h58m49s
